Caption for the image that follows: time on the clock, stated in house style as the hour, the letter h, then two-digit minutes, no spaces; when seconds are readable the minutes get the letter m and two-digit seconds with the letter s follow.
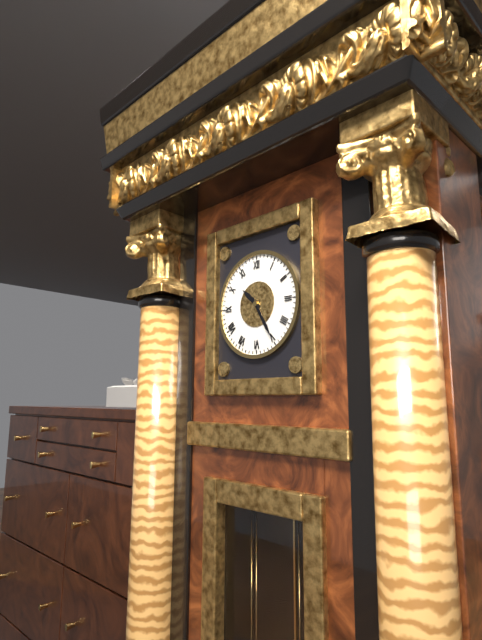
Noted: 10h25
